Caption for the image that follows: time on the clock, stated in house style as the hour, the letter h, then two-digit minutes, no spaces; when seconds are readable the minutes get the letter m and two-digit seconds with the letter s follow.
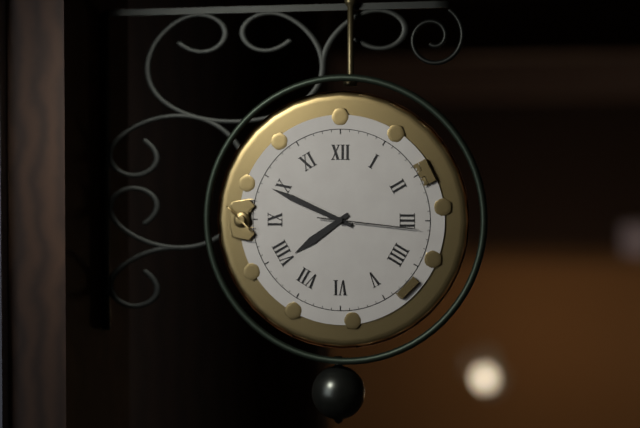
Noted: 7h49m16s
